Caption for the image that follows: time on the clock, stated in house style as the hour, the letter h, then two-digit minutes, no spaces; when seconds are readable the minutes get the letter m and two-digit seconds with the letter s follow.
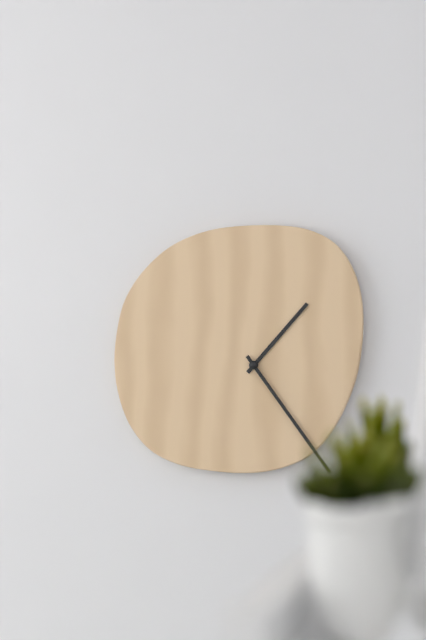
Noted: 1h24
